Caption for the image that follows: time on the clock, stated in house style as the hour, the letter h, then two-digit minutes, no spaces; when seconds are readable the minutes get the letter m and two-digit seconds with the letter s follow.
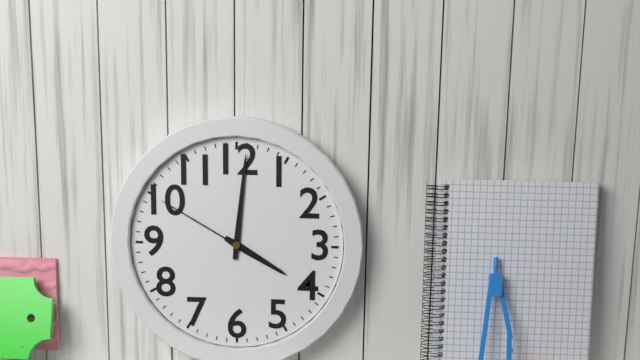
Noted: 4h01m50s
